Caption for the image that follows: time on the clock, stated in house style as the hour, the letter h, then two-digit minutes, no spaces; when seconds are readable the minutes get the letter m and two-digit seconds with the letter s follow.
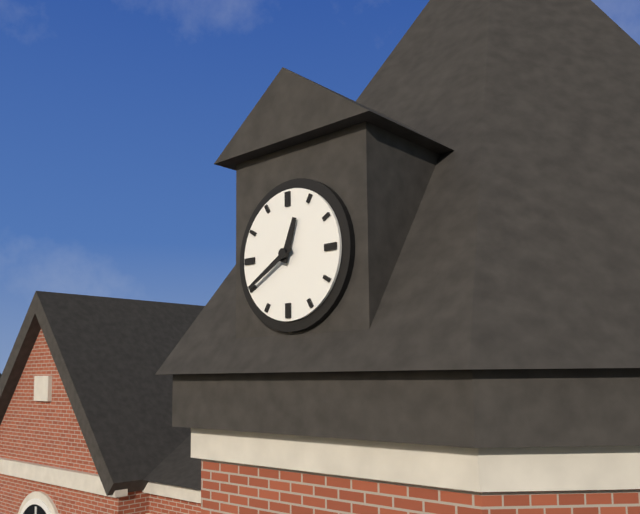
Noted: 12h40
